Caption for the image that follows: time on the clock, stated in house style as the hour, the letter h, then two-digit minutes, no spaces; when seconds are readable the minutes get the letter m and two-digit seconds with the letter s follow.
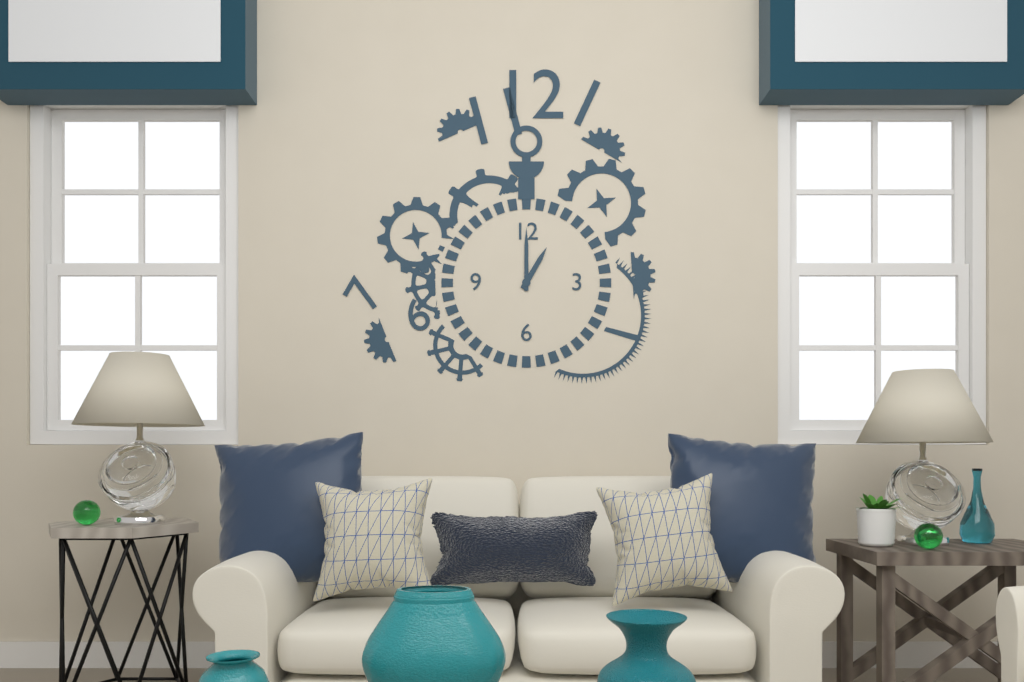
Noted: 1h00
